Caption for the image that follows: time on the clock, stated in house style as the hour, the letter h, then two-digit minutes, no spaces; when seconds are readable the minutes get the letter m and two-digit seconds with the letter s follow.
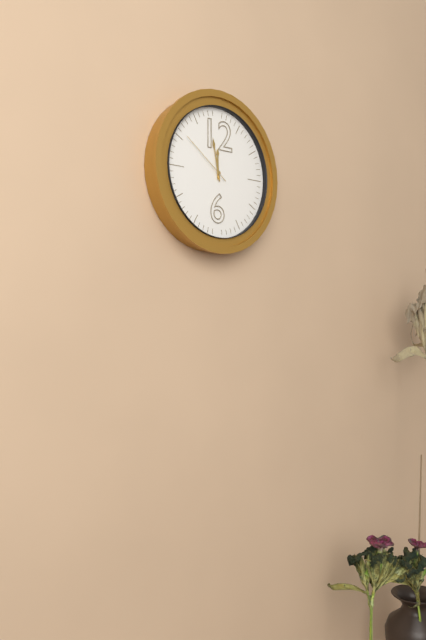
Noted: 11h58m51s
